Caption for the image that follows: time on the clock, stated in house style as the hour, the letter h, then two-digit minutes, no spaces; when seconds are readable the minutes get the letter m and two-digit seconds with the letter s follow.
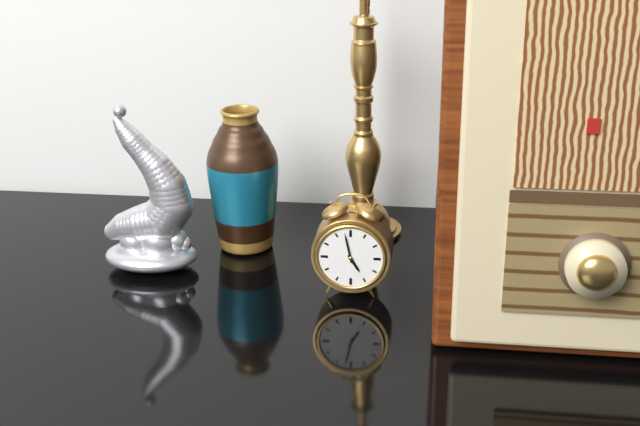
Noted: 4h58
